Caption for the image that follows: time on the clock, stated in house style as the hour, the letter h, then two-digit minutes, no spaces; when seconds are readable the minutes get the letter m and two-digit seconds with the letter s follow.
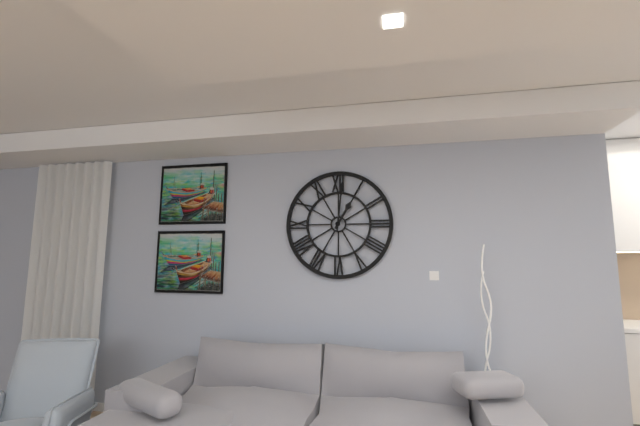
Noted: 1h01
